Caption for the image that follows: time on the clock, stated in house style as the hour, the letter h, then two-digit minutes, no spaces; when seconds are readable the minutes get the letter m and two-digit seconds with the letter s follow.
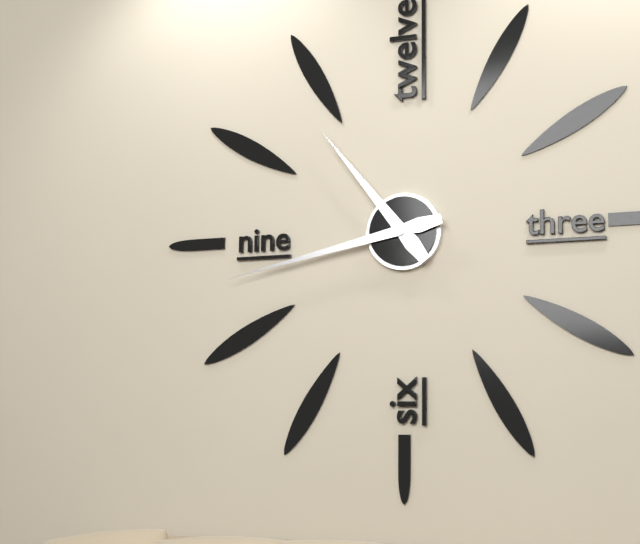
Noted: 10h43
